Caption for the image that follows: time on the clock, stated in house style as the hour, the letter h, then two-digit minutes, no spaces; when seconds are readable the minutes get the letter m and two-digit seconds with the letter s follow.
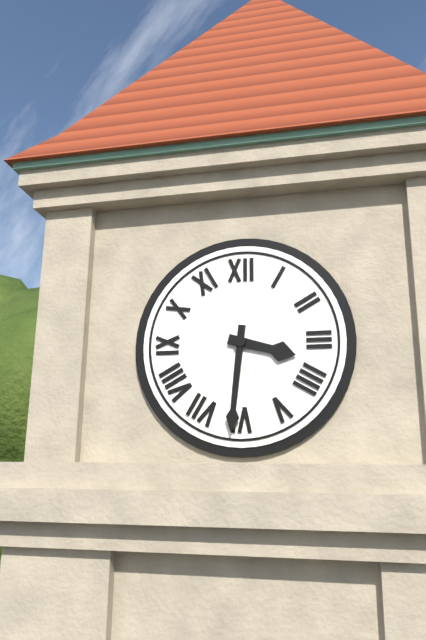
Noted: 3h31
